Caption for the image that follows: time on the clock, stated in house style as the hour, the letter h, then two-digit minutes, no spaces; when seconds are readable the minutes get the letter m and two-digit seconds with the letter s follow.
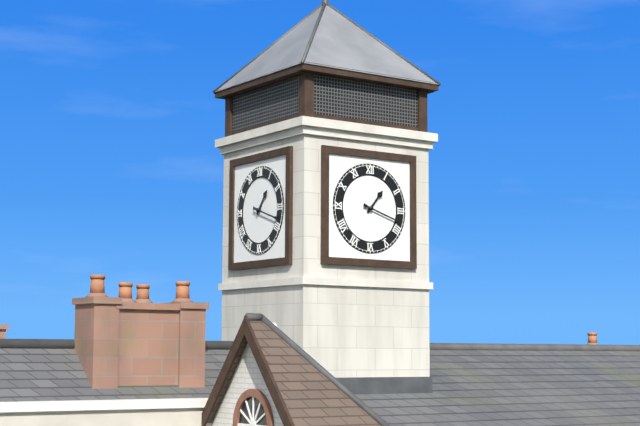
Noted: 1h18
